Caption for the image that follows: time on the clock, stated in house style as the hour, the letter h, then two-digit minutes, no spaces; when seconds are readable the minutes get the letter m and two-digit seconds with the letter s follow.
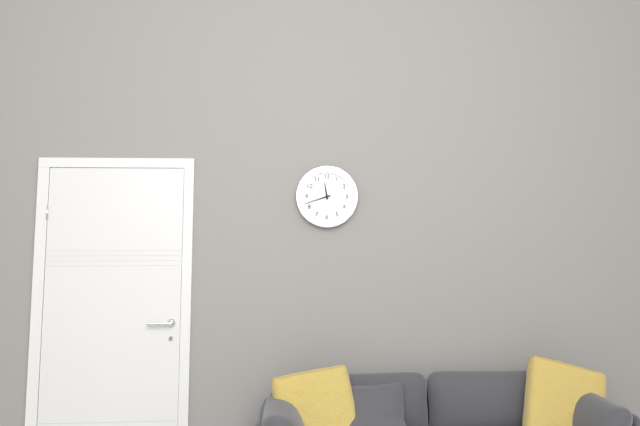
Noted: 11h42
